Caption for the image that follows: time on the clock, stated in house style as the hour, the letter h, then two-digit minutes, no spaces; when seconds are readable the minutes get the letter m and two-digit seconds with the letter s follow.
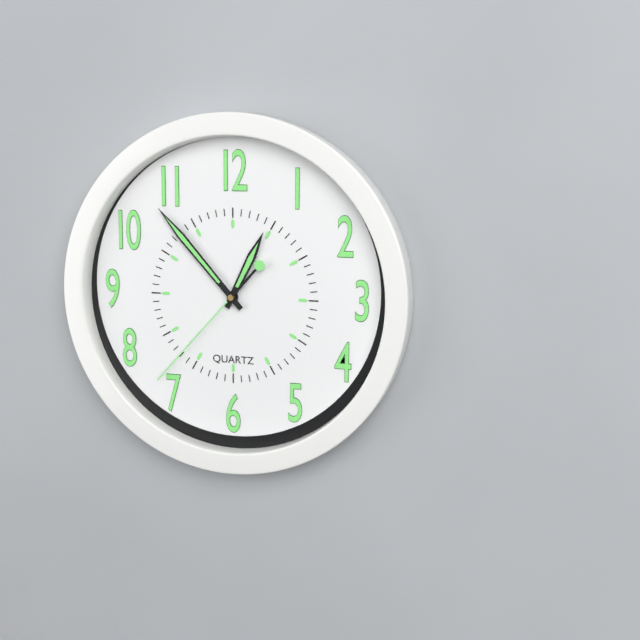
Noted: 12h53m37s
